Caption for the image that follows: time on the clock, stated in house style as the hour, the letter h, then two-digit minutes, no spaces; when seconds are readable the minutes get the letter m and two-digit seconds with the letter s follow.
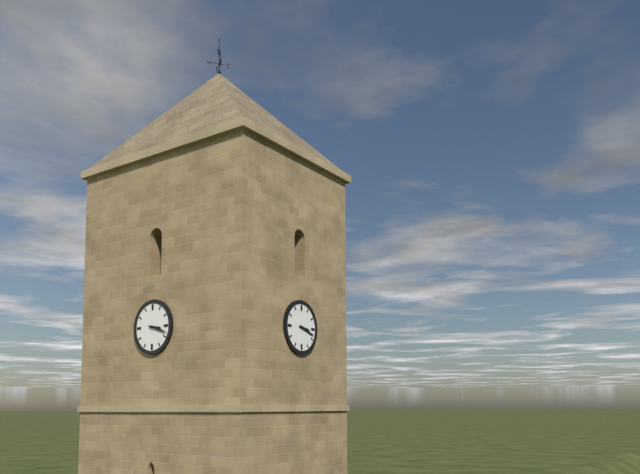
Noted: 3h18
